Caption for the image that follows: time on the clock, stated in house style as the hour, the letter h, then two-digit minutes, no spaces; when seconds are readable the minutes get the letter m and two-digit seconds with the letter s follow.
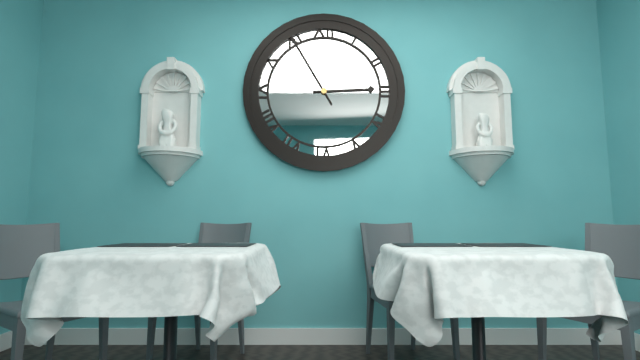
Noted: 2h55
